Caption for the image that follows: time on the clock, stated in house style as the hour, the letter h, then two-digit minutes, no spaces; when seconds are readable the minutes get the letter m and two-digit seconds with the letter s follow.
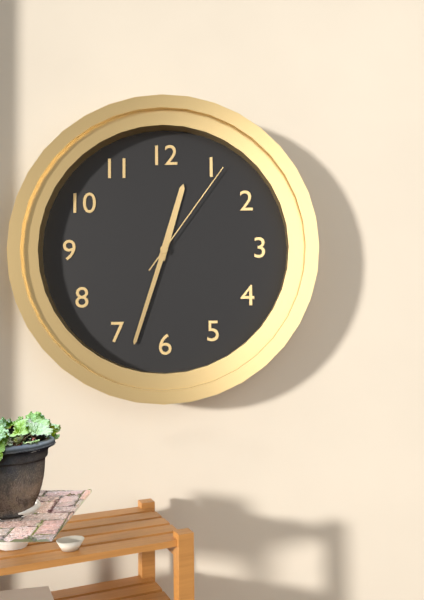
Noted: 12h33m06s
